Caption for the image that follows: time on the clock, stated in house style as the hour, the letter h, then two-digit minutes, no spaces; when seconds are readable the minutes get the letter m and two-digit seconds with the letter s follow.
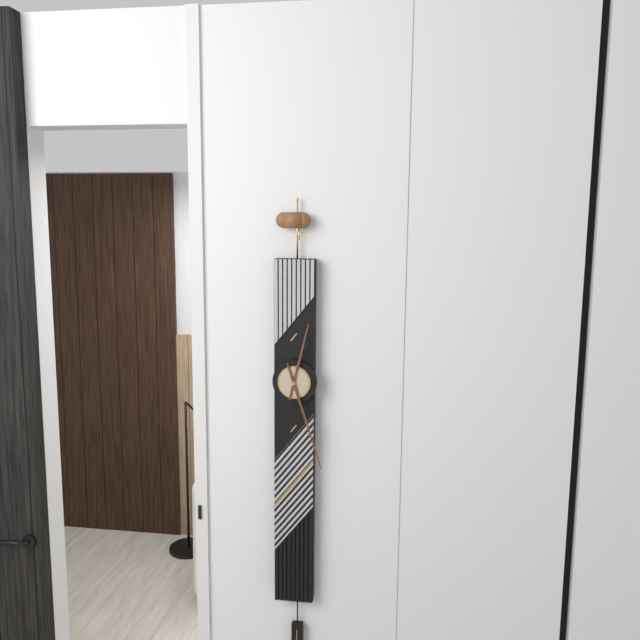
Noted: 12h27
